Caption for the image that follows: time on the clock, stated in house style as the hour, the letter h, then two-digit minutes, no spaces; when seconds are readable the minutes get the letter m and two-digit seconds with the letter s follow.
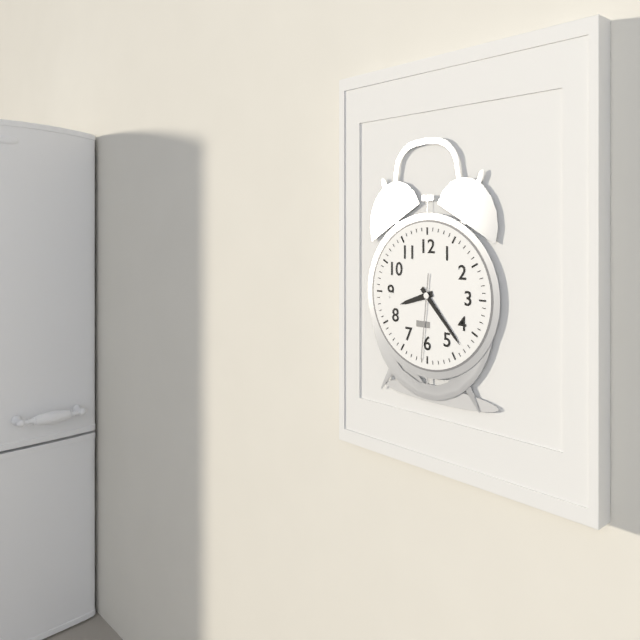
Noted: 8h23m31s
